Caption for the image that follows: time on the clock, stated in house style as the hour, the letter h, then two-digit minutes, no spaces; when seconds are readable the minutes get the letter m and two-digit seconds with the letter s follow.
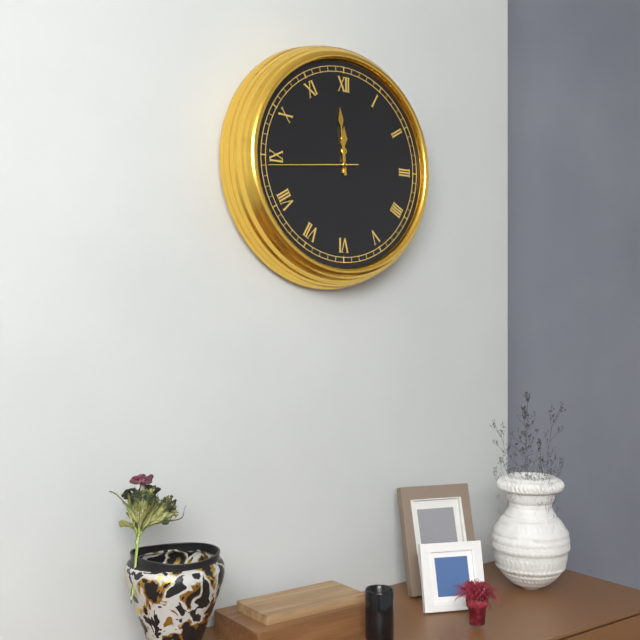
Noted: 11h59m44s
